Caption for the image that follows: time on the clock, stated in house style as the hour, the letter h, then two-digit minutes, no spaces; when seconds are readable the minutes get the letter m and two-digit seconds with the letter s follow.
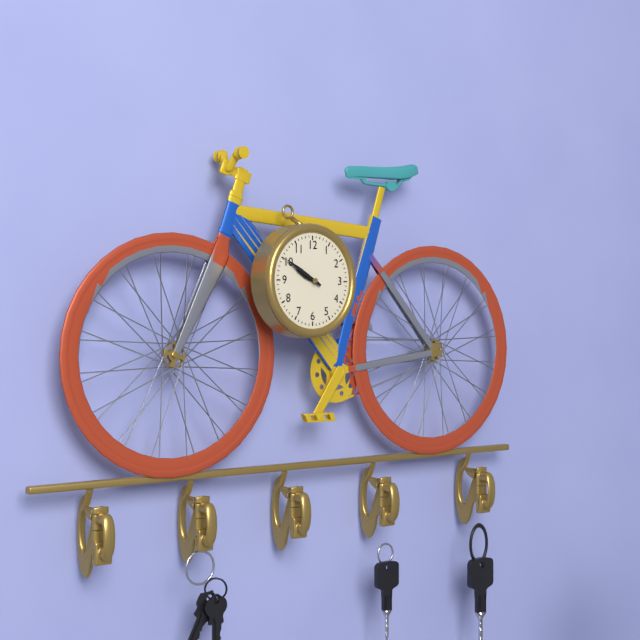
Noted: 9h50
